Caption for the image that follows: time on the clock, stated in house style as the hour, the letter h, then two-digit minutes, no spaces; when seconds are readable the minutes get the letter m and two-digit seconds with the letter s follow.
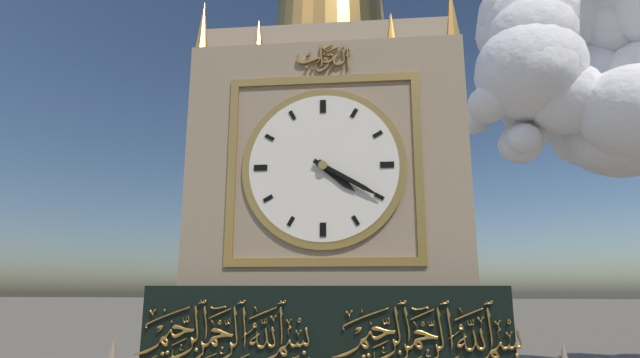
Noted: 4h20
